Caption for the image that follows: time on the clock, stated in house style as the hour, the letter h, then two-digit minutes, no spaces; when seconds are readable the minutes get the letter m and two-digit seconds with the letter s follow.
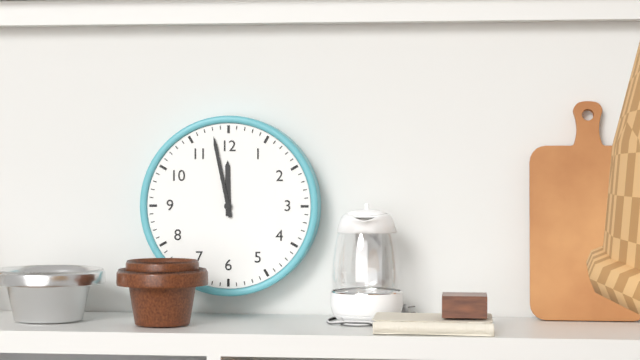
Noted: 11h58
